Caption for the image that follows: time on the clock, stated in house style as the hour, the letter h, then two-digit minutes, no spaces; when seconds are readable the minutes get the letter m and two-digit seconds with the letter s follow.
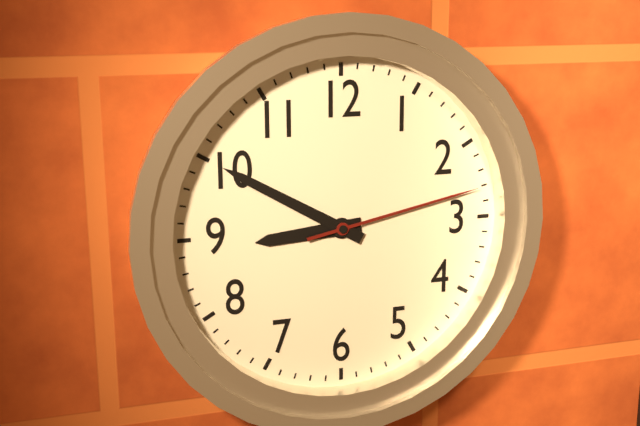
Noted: 8h50m13s
